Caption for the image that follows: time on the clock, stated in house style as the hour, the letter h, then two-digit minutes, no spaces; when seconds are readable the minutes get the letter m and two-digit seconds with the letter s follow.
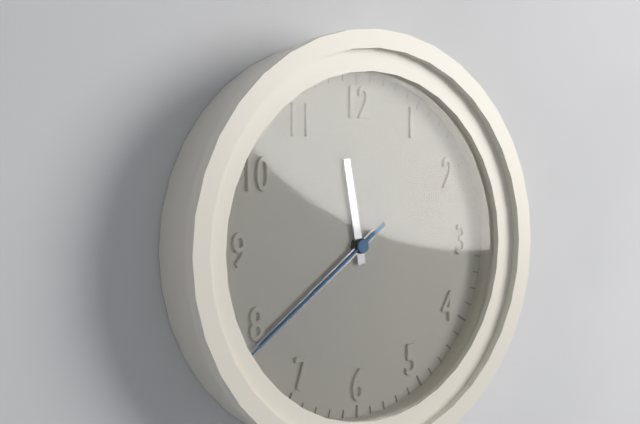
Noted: 11h39m39s
